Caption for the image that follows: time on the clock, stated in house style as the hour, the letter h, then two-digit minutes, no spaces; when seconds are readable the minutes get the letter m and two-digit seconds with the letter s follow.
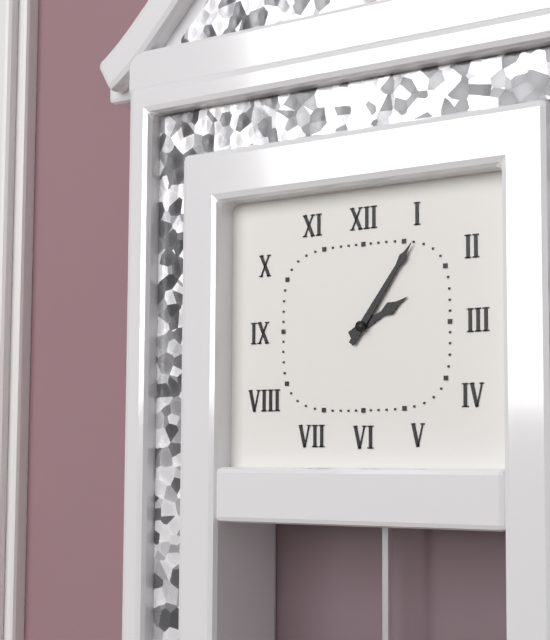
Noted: 2h06
